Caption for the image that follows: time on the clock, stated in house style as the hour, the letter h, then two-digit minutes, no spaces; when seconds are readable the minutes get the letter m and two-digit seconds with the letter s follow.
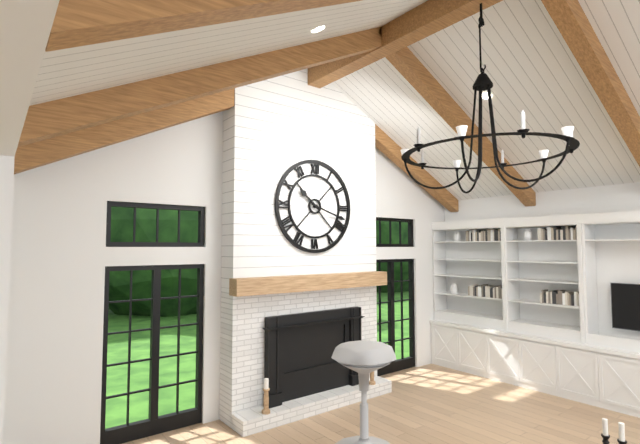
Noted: 10h18
